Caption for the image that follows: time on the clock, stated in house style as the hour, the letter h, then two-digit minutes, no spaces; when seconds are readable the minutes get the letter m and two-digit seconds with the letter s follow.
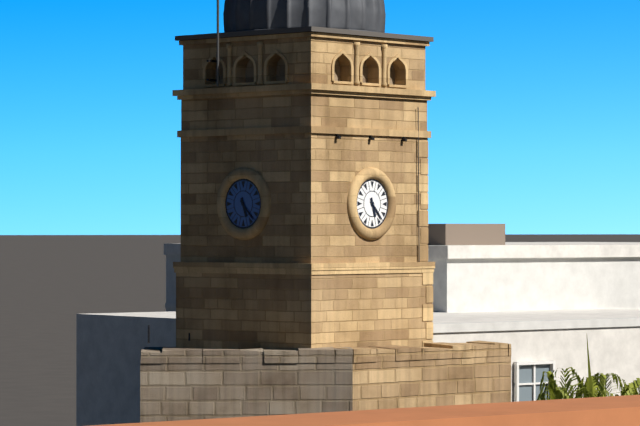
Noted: 5h23
